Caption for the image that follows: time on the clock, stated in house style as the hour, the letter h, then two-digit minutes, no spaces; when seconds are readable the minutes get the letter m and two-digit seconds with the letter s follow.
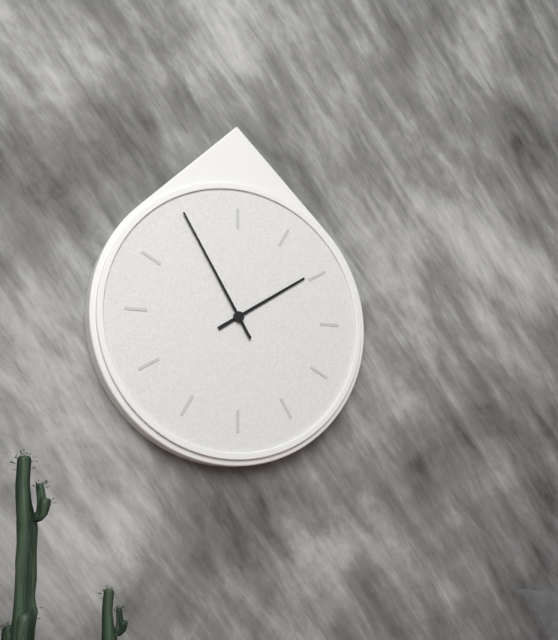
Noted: 1h55
